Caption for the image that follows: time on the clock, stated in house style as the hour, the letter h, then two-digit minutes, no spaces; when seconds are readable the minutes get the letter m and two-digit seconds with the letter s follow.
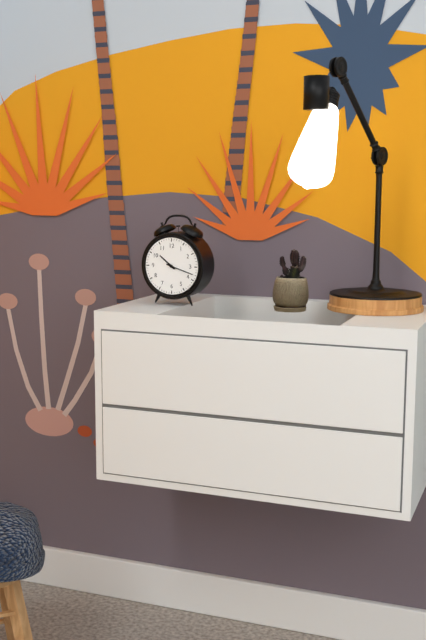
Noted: 10h18
